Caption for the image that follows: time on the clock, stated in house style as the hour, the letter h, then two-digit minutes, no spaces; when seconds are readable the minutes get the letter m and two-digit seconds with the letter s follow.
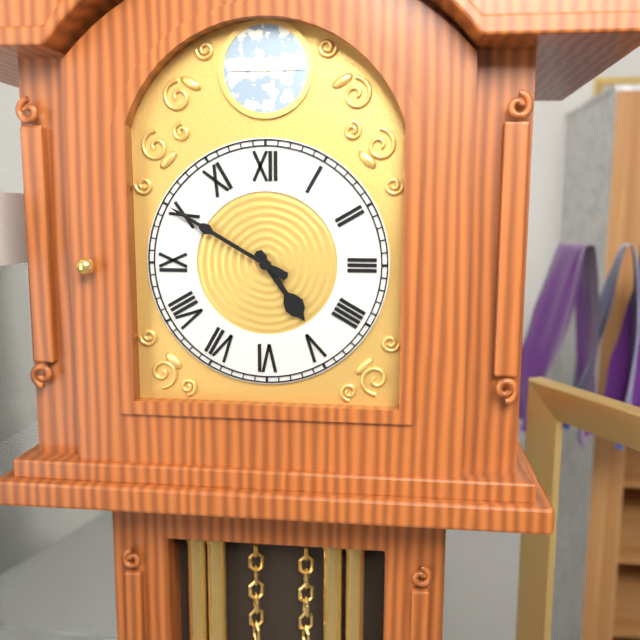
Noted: 4h50
